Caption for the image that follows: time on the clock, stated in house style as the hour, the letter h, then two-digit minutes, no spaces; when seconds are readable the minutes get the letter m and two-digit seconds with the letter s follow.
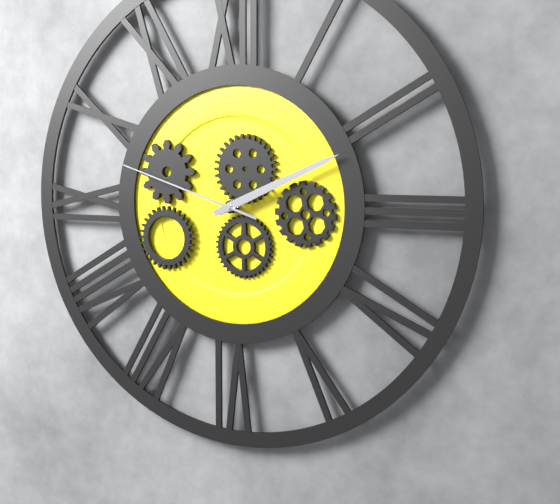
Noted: 2h11m48s
